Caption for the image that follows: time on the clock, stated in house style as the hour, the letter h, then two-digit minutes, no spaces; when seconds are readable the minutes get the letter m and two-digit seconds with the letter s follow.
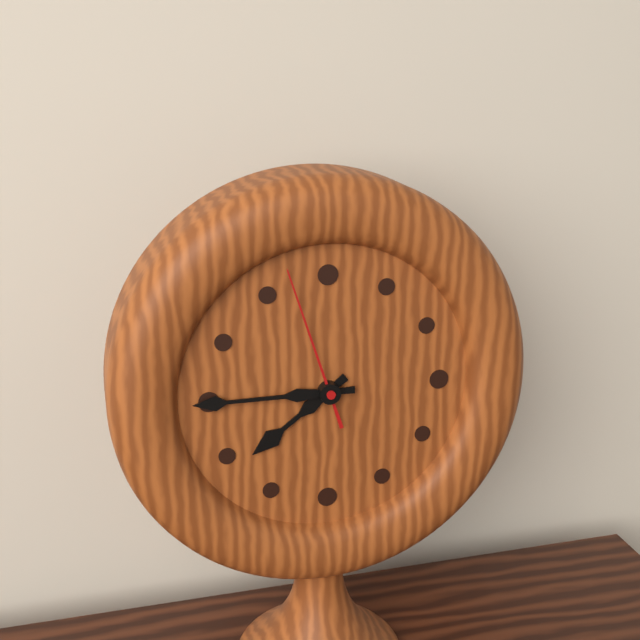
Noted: 7h45m57s
